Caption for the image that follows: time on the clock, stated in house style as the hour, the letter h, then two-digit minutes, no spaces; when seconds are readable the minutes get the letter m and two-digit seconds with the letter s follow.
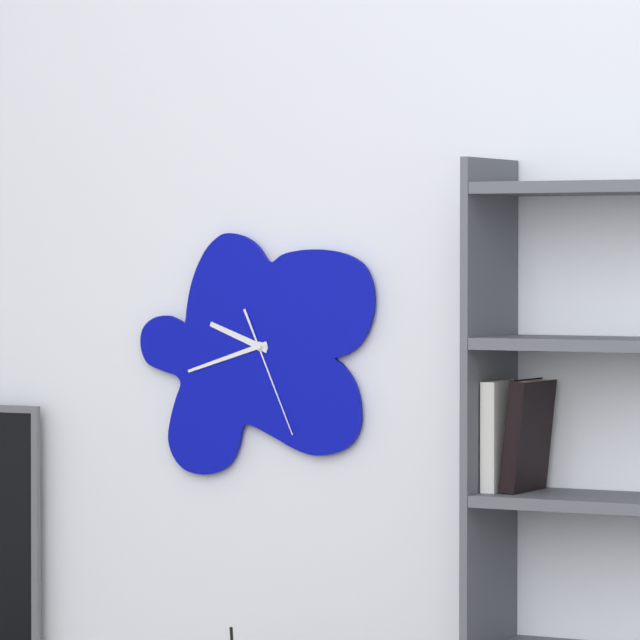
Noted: 9h42m26s
